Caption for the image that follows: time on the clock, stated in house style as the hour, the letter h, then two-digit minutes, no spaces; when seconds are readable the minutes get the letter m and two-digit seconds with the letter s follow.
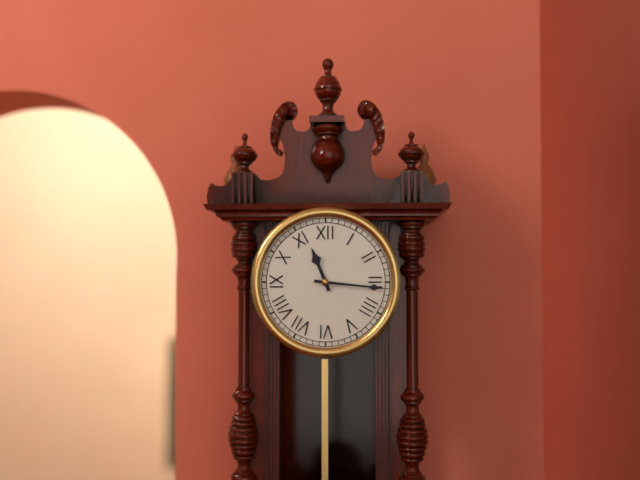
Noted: 11h16
